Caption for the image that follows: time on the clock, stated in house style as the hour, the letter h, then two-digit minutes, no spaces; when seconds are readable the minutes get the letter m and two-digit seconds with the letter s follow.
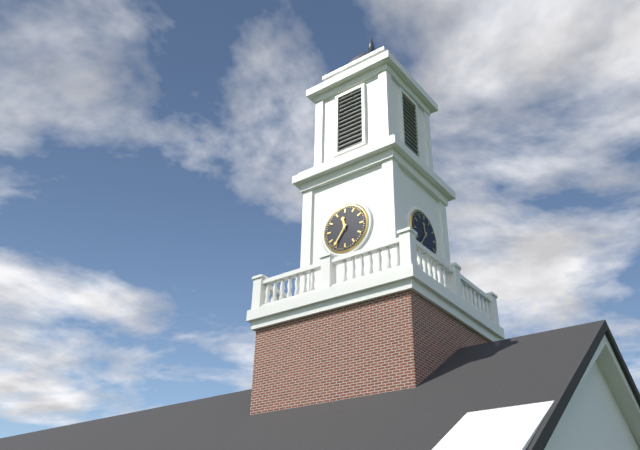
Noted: 11h36
